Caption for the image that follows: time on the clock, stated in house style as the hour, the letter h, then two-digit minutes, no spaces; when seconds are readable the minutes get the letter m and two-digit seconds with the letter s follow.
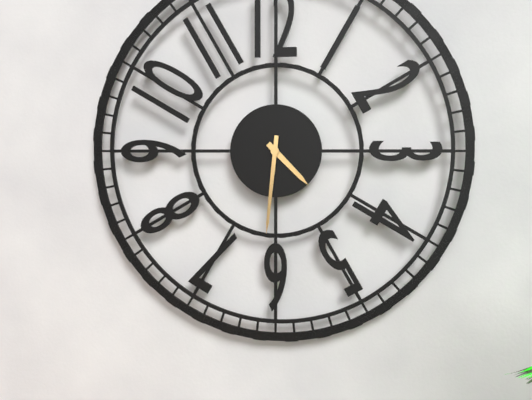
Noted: 4h31
